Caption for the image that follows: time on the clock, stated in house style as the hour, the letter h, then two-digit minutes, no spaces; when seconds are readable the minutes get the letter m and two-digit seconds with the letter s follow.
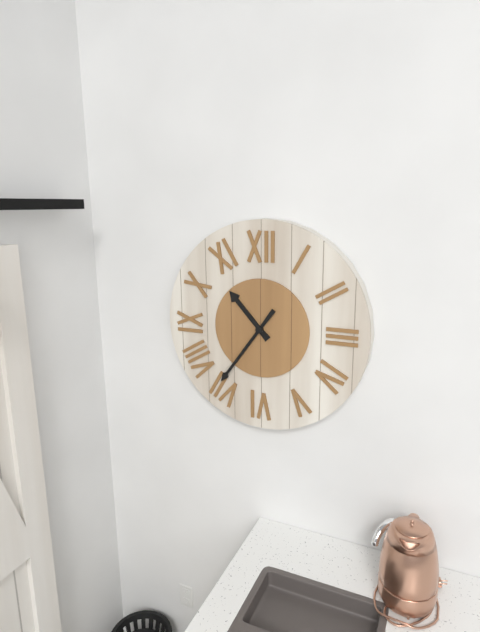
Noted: 10h36
